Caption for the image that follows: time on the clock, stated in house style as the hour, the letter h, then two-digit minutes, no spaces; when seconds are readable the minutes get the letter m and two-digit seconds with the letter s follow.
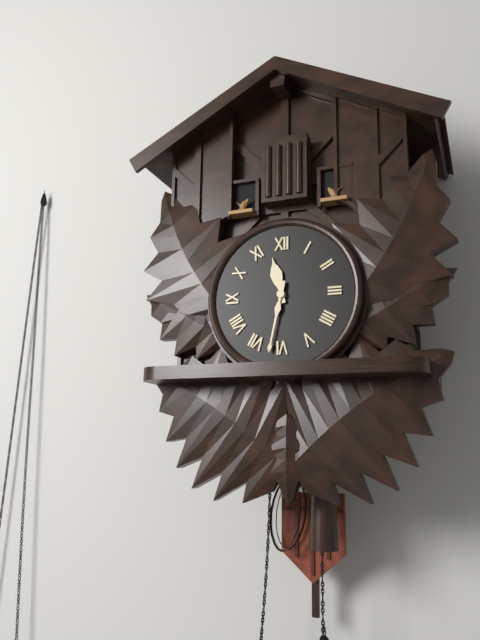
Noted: 11h32
